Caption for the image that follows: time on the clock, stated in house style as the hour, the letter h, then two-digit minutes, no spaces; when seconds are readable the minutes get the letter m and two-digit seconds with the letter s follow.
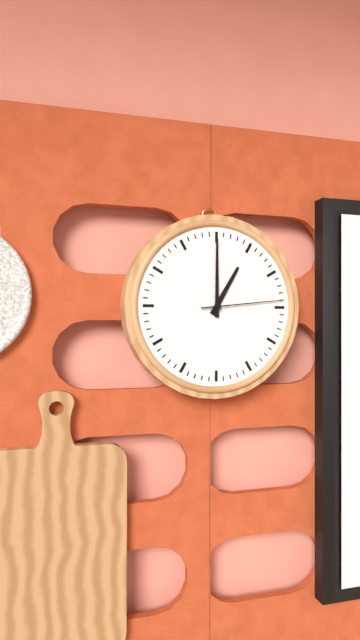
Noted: 1h00m14s
